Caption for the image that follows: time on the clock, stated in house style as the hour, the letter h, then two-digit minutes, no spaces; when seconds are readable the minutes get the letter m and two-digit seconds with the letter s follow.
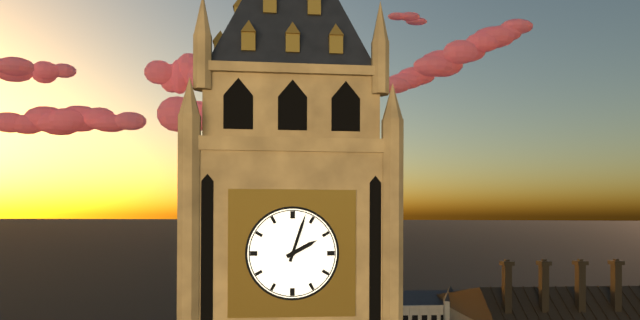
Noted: 2h03
